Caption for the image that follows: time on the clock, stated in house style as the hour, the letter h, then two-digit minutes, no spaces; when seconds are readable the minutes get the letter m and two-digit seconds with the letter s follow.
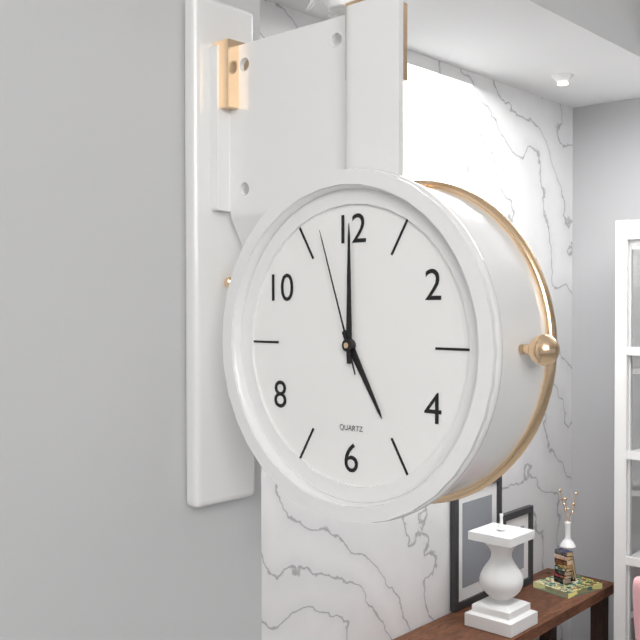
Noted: 5h00m57s
